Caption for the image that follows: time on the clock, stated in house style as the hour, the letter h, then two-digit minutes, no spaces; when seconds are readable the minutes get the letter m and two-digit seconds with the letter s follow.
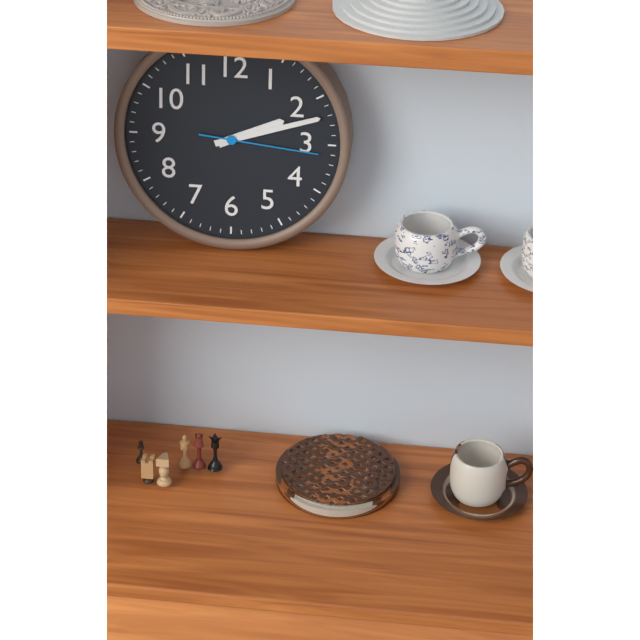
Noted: 2h12m16s
